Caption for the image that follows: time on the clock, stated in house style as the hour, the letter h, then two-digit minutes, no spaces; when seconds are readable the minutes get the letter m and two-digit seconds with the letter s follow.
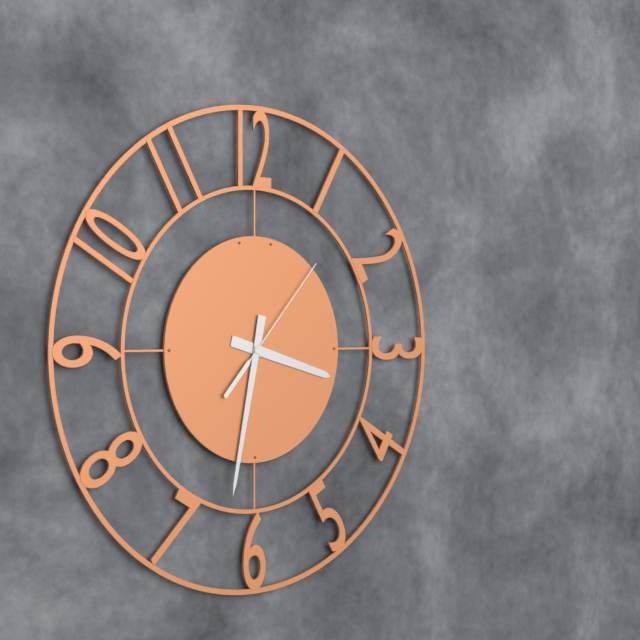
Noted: 3h32m07s
